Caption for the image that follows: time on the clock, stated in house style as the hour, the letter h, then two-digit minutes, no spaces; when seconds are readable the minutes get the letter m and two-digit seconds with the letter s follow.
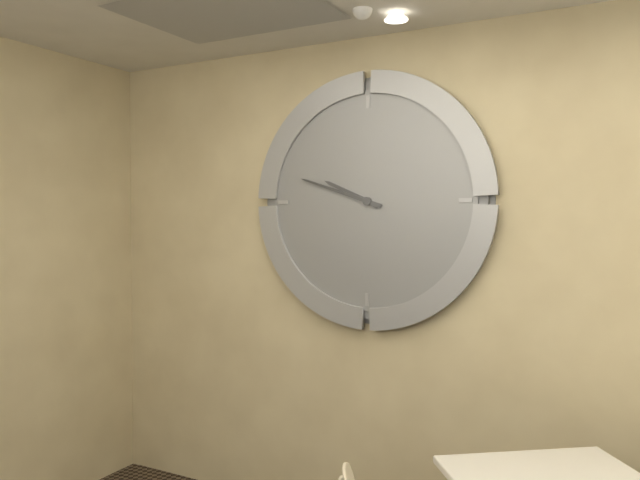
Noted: 9h48
